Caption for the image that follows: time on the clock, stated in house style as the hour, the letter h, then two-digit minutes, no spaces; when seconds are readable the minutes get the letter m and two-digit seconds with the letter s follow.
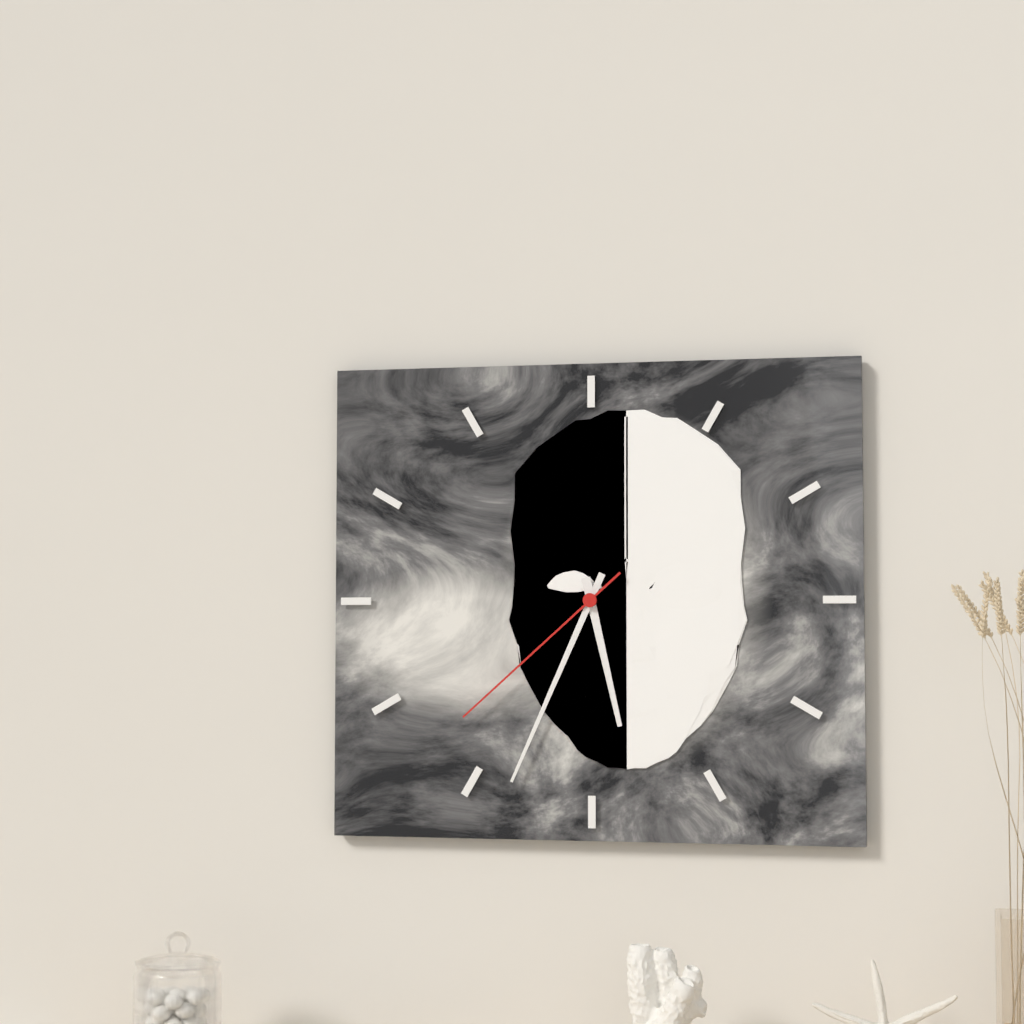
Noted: 5h34m38s
